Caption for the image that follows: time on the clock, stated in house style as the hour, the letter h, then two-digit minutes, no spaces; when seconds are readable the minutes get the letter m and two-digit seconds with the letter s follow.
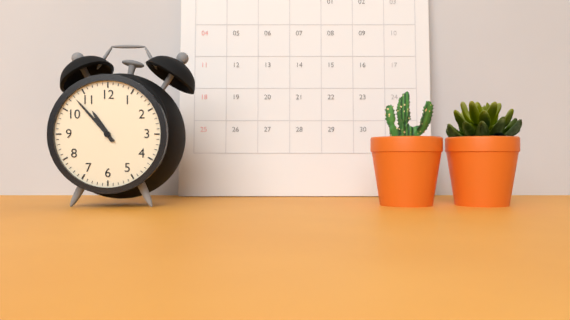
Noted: 10h53
